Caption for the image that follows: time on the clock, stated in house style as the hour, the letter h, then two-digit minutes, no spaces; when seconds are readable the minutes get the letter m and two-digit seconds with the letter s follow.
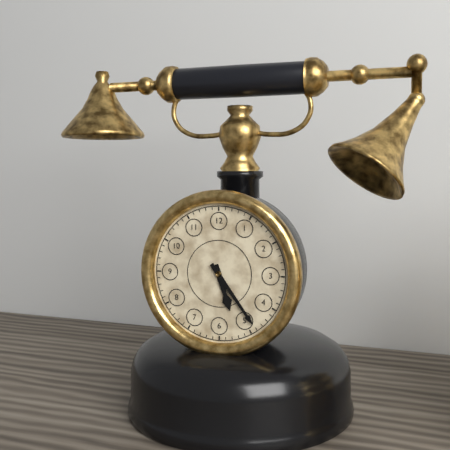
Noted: 5h24
